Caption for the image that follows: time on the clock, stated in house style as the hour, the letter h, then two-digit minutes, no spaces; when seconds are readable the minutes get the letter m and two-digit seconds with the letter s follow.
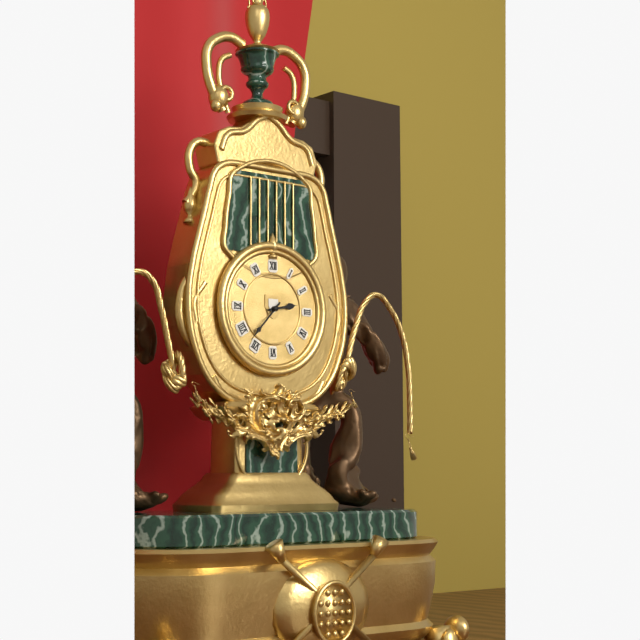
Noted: 2h37
